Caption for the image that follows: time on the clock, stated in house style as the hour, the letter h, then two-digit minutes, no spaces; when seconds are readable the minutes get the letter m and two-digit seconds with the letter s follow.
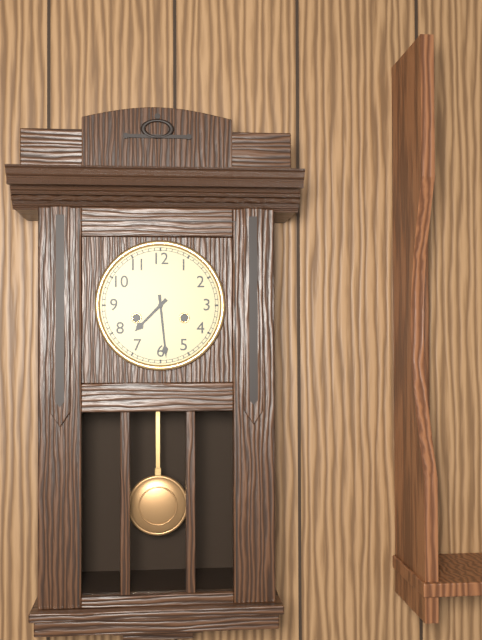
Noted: 7h29
